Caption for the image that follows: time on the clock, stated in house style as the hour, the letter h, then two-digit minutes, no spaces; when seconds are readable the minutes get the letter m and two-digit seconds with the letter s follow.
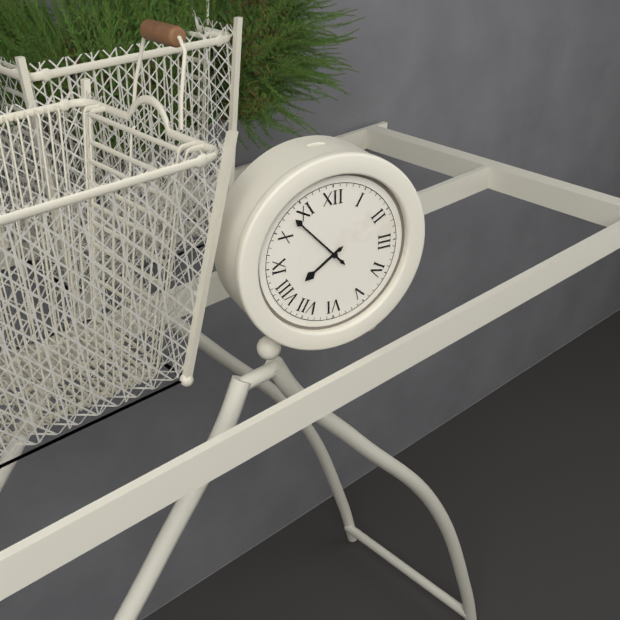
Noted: 7h53
